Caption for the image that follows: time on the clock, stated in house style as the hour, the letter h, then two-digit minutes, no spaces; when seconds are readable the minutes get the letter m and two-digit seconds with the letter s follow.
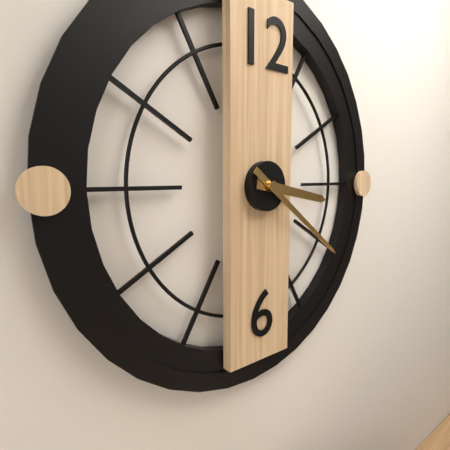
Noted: 3h21
